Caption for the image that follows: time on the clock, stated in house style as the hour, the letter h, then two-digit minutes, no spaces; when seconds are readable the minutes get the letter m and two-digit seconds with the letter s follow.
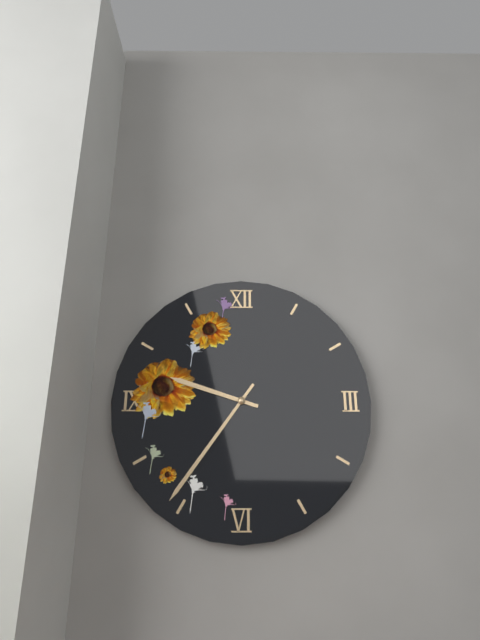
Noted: 9h36
